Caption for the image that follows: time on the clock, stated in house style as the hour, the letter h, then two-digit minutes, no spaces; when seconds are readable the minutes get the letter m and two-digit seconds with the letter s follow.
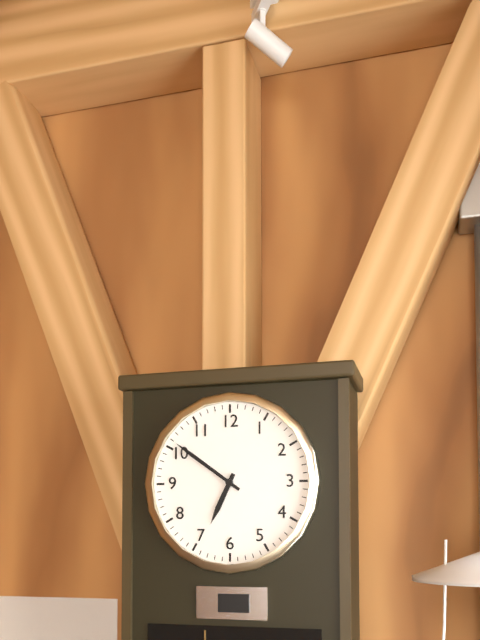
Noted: 6h51
